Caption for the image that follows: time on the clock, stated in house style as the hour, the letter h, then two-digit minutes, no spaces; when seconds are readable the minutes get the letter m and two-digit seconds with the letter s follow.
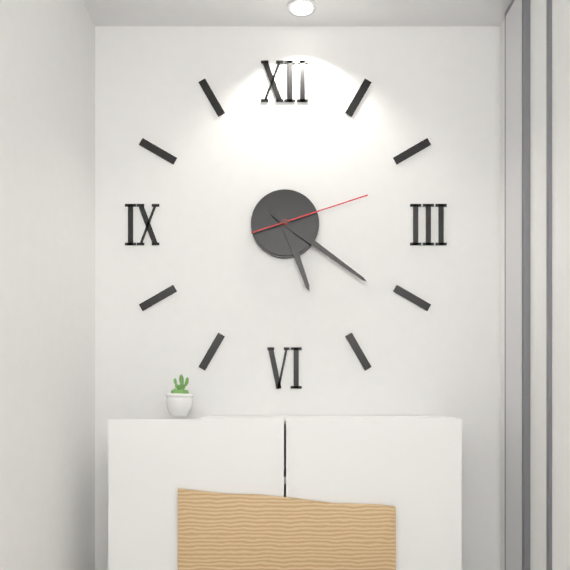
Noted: 5h21m12s
